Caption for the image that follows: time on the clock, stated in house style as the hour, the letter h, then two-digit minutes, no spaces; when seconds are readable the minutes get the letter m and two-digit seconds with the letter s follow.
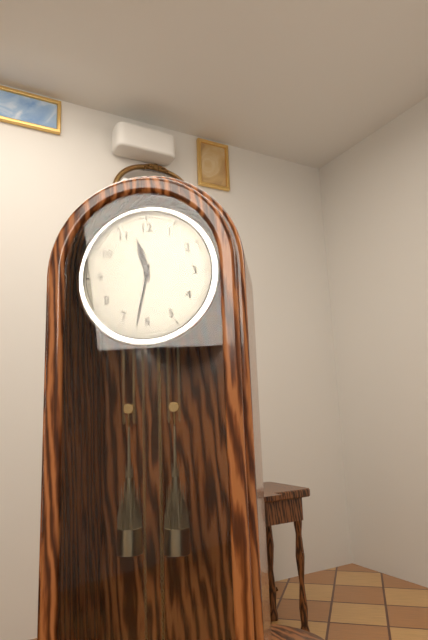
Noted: 11h32
